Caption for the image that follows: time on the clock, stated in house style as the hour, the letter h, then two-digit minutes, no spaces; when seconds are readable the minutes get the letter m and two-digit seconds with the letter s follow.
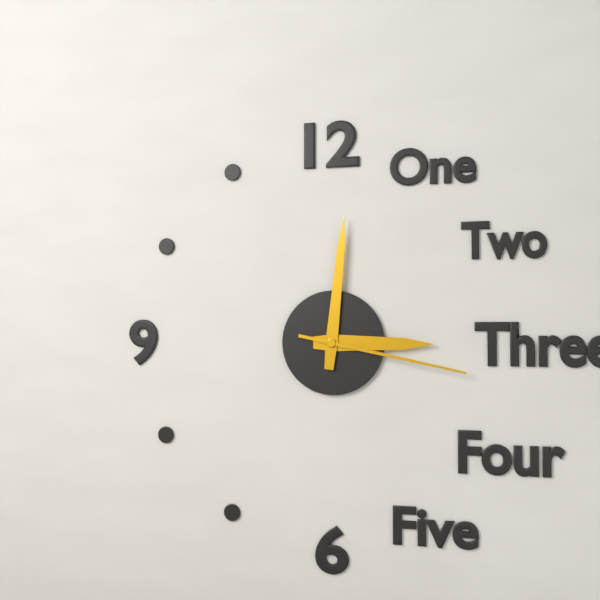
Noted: 3h01m17s
